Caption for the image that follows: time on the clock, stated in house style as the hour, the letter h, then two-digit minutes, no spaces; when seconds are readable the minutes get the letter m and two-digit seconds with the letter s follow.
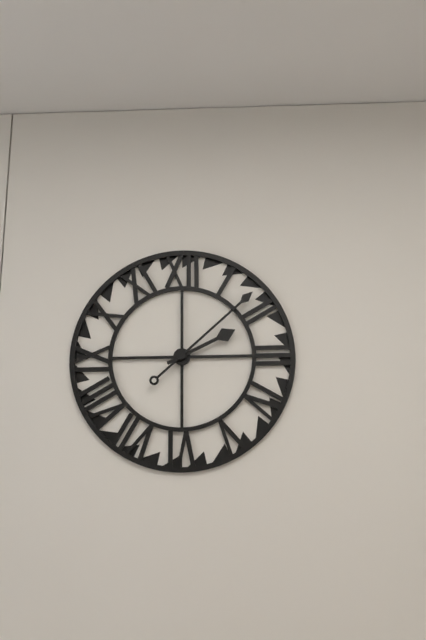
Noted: 2h08
